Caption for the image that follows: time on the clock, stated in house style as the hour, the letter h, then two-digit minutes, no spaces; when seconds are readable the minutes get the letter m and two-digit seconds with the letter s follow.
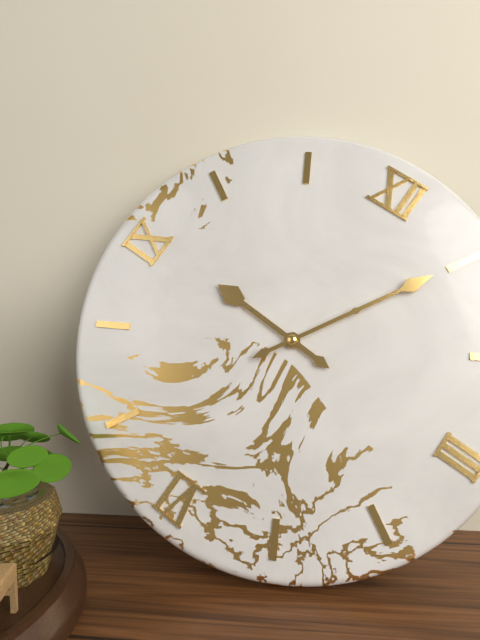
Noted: 9h05
